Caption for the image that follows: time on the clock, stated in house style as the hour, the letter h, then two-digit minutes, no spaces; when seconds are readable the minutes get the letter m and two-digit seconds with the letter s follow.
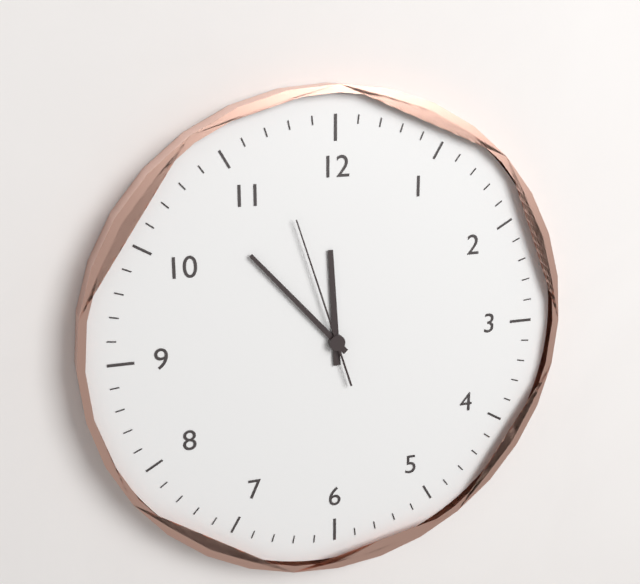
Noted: 11h53m57s
